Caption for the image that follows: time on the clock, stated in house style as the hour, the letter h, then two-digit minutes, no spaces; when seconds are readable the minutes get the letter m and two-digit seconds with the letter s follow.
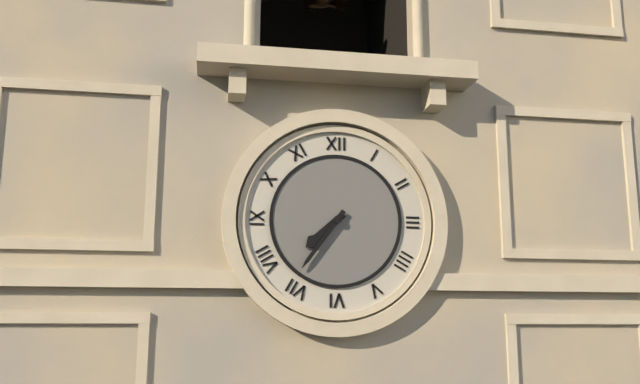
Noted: 7h36
